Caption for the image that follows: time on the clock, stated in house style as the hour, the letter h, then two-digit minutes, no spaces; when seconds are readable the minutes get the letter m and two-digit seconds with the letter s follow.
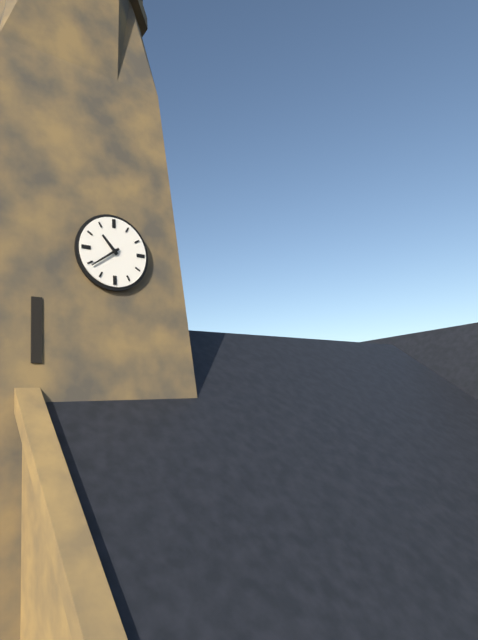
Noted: 10h39
